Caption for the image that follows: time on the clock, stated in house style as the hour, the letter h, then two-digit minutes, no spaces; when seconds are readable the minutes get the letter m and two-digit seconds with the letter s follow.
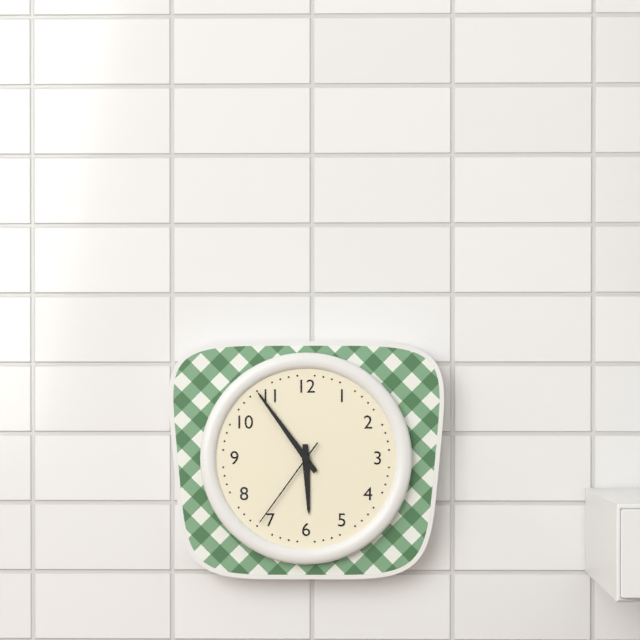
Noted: 5h54m36s
